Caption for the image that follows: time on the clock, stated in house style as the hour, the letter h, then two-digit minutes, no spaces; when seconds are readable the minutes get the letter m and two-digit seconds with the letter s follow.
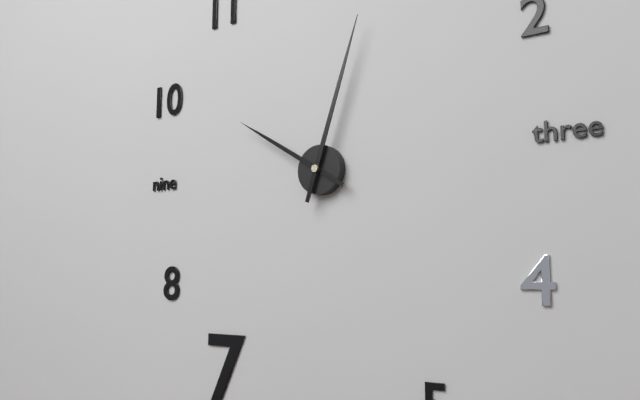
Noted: 10h03
